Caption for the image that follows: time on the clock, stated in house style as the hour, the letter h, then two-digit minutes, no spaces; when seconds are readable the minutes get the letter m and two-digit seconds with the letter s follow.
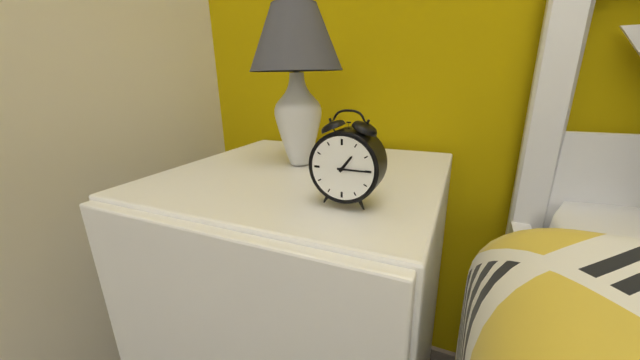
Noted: 1h15
